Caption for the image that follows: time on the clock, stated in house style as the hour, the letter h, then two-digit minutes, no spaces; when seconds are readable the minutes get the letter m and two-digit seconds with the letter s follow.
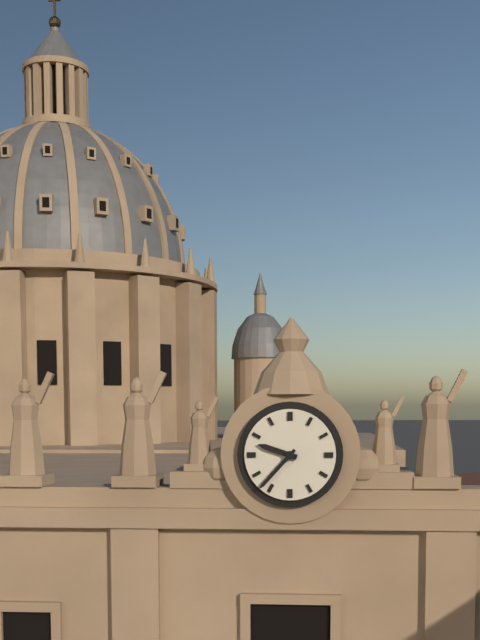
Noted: 9h37
